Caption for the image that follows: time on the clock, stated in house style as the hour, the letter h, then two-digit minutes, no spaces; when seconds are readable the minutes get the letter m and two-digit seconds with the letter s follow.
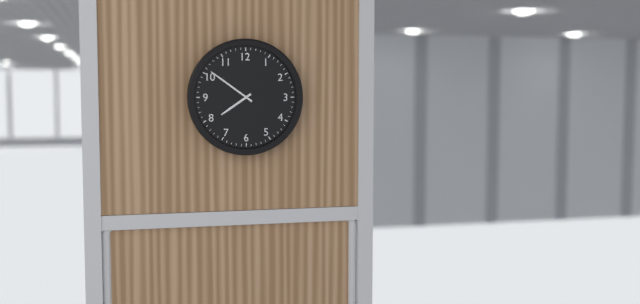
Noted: 7h51
